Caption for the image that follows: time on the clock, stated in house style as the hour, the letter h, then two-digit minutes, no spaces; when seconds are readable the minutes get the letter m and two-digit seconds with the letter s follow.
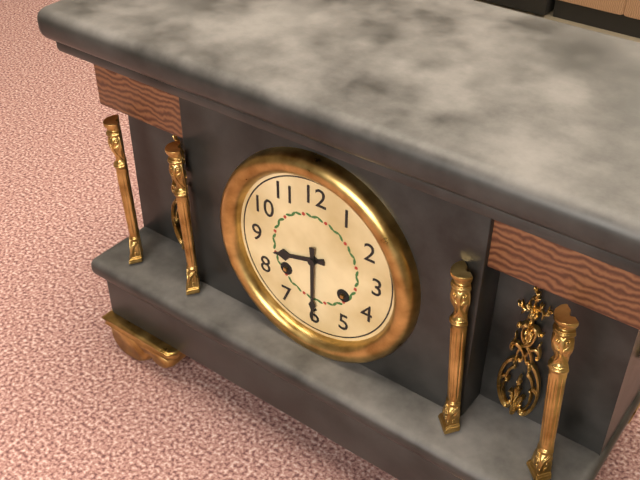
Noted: 8h30
